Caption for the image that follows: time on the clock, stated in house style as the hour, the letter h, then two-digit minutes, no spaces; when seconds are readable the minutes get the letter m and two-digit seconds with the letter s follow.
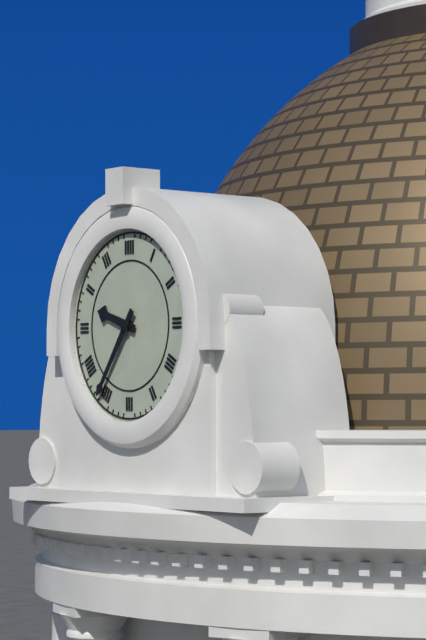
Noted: 9h36
